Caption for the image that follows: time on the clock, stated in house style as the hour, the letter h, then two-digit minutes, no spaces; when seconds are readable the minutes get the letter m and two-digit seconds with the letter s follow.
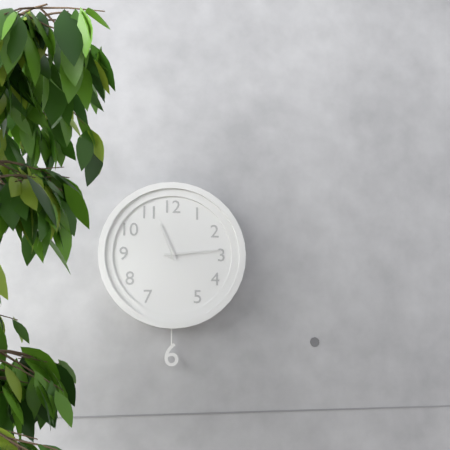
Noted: 11h14
